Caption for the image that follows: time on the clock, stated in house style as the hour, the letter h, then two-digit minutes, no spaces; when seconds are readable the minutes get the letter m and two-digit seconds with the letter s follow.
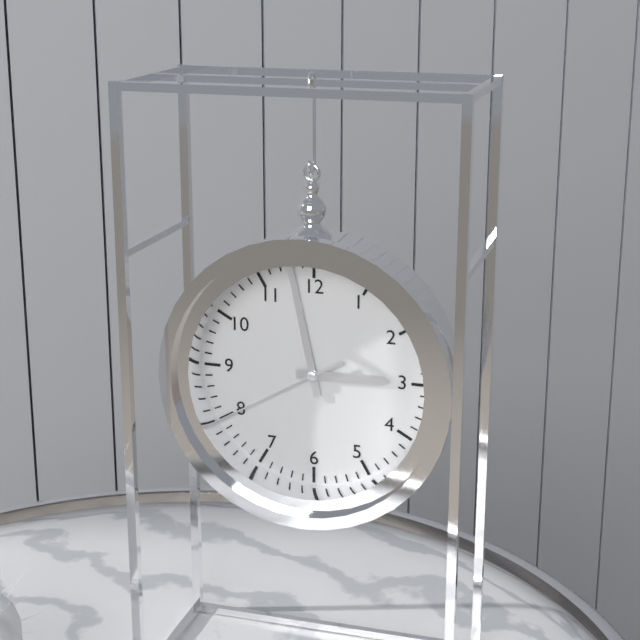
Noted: 2h58m40s
